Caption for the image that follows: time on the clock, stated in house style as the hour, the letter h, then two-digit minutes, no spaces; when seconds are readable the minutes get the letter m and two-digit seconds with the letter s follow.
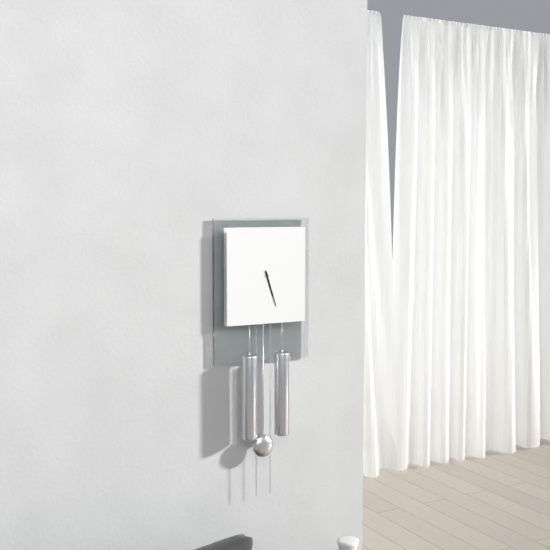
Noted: 5h27
